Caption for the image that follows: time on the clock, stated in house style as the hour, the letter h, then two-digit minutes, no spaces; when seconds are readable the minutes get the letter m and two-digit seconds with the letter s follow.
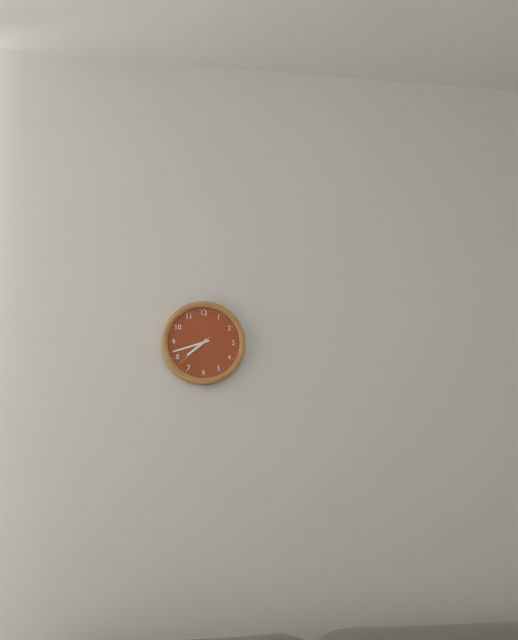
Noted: 7h42
